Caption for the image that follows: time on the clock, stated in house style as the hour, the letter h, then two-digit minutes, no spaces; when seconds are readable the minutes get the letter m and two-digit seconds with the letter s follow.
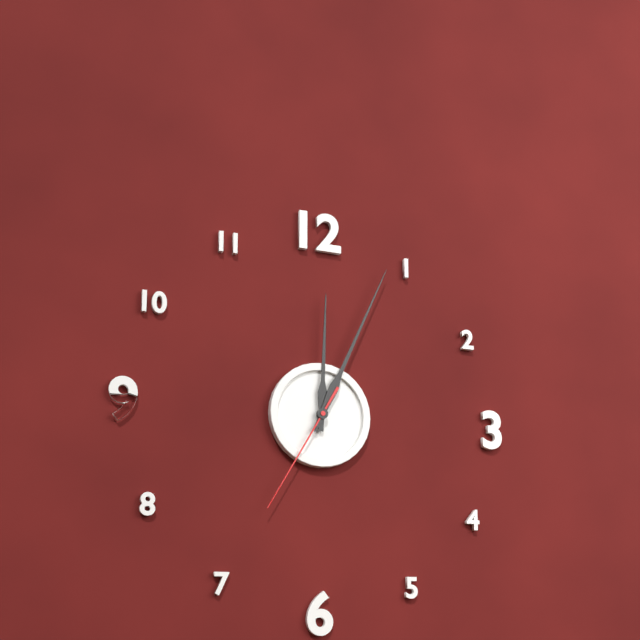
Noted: 12h04m35s
